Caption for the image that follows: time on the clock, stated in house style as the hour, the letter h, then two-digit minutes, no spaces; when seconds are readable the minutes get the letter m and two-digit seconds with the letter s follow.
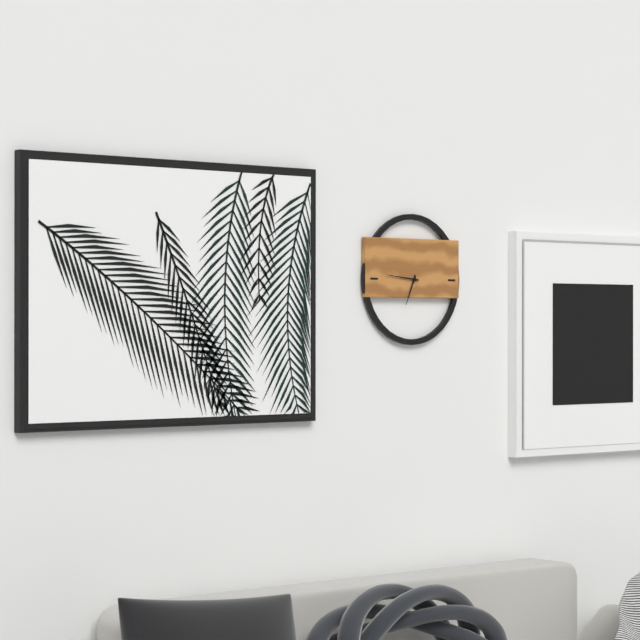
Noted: 6h46
